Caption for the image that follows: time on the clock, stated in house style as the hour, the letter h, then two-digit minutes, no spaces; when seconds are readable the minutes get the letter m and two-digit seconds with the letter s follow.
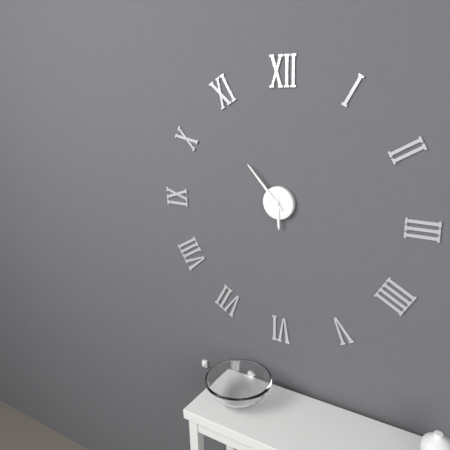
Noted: 5h53
